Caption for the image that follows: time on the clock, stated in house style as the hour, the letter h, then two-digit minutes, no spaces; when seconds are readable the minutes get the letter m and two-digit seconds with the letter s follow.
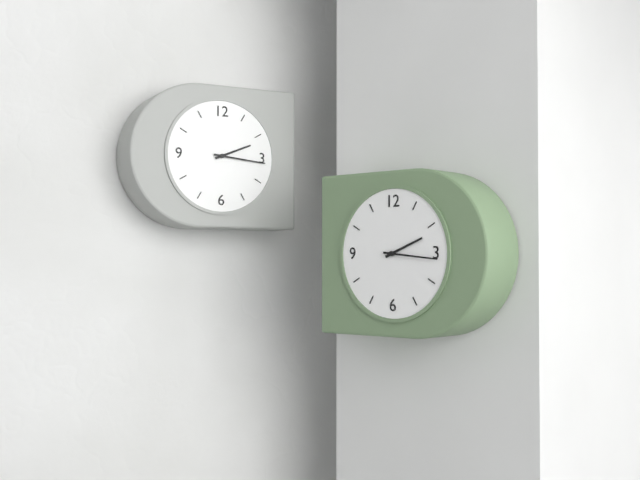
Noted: 2h16
